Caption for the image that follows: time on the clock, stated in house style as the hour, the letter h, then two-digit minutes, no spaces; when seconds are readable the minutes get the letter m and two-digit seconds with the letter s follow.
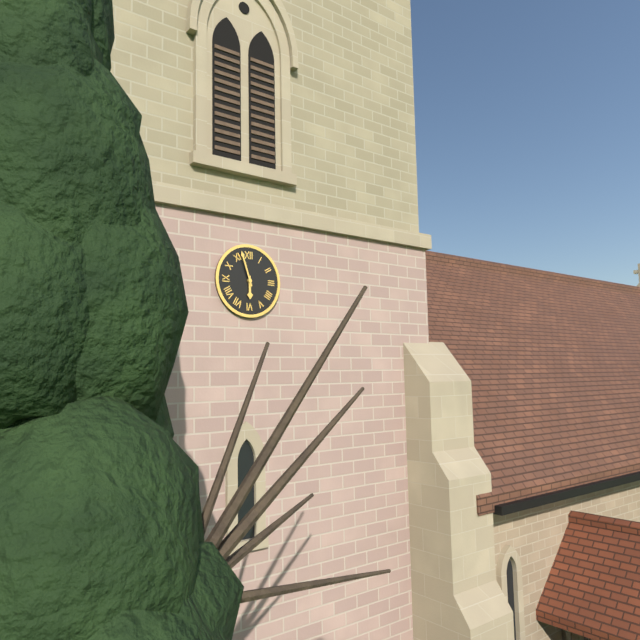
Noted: 5h57
